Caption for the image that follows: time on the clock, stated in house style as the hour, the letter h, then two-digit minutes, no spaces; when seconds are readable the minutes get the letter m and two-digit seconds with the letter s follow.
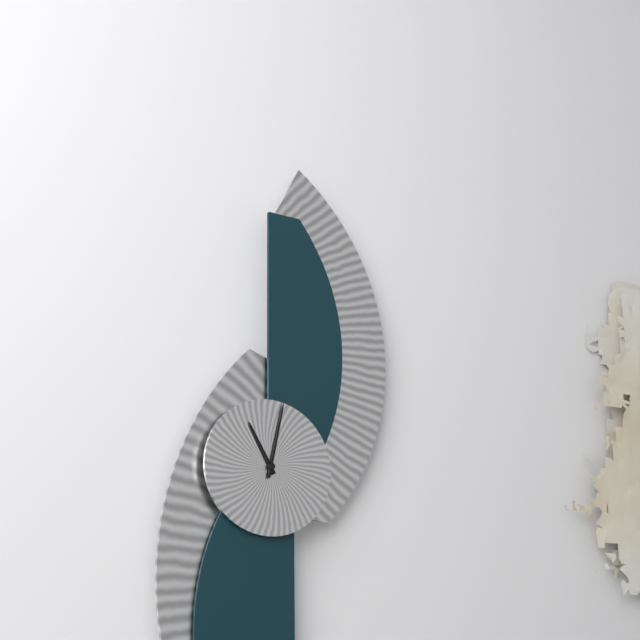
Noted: 11h02
